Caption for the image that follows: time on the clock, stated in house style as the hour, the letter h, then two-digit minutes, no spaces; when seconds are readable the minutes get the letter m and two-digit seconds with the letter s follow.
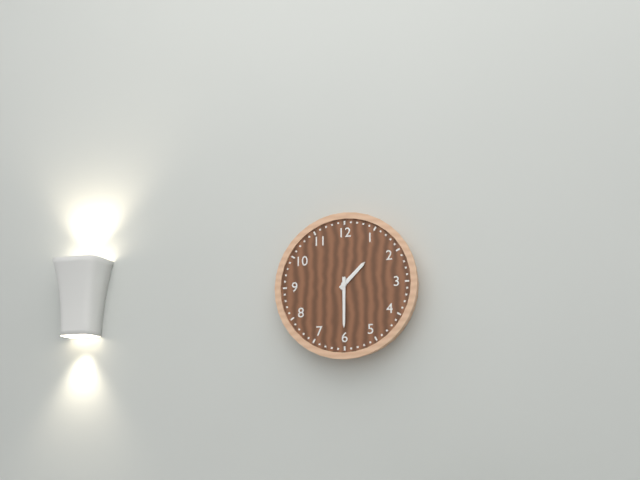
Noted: 1h30
